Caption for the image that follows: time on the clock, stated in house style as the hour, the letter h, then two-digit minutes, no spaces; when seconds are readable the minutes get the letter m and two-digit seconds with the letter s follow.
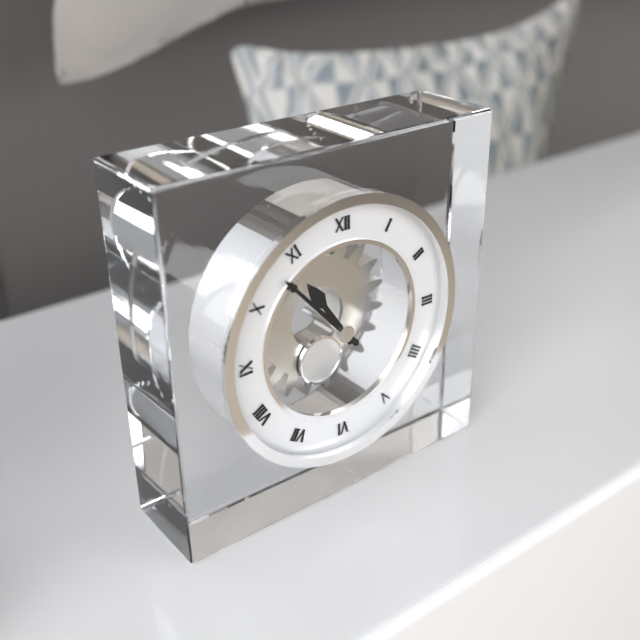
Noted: 10h53
